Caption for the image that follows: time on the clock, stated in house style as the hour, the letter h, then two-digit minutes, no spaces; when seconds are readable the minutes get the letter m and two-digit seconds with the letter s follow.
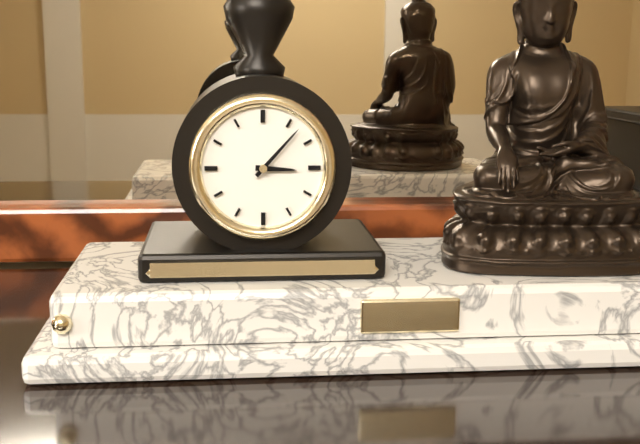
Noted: 3h07
